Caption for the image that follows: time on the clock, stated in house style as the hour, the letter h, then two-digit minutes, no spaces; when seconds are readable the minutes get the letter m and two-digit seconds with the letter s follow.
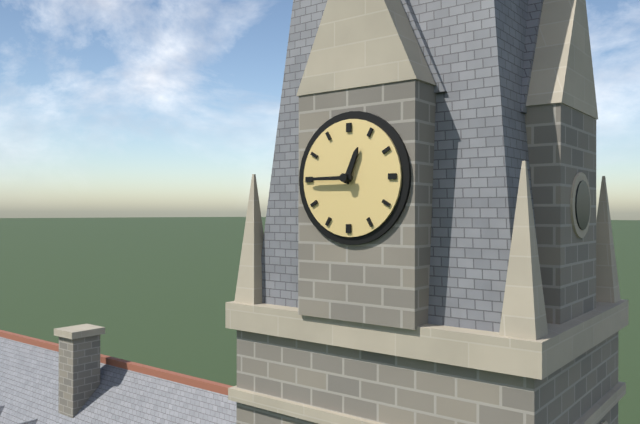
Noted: 12h45
